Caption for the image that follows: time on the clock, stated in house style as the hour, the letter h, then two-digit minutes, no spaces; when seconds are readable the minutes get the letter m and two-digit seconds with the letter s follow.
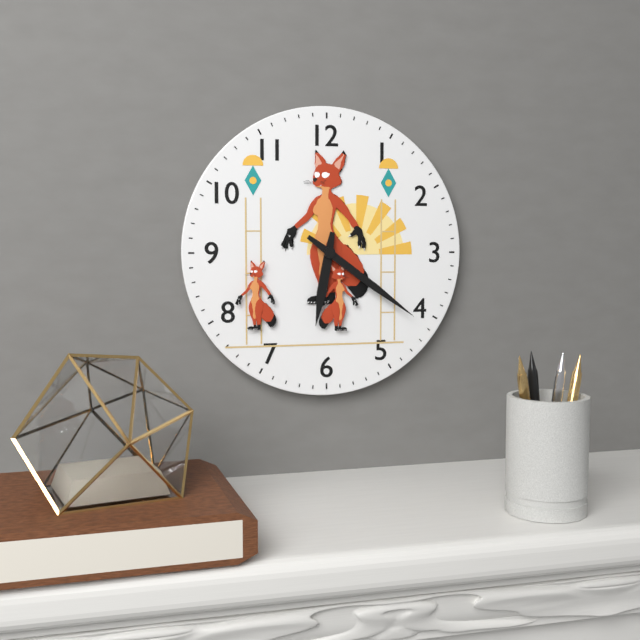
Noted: 6h21
